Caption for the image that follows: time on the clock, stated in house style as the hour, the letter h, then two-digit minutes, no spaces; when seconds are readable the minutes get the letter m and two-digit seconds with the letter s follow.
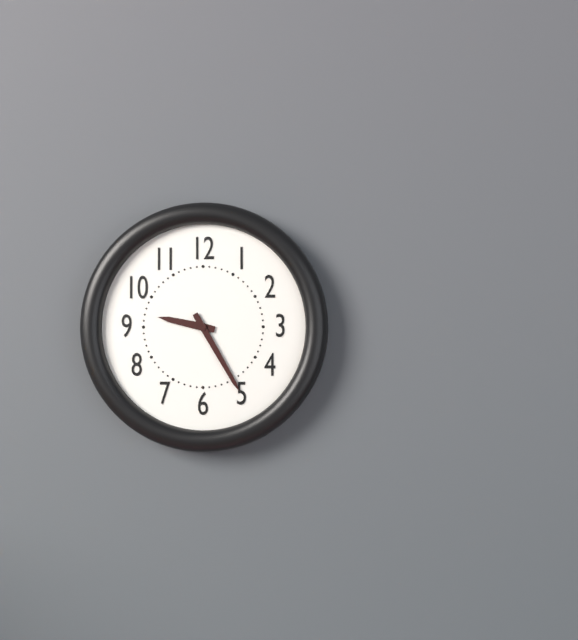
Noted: 9h25
